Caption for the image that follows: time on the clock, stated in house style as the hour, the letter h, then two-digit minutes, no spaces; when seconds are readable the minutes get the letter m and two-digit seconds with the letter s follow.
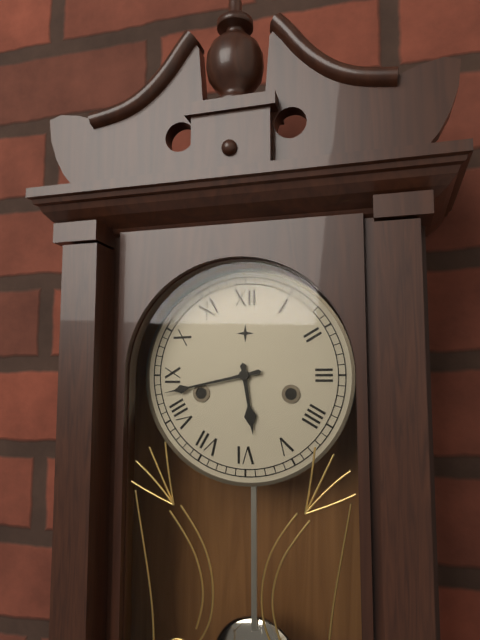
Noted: 5h43
